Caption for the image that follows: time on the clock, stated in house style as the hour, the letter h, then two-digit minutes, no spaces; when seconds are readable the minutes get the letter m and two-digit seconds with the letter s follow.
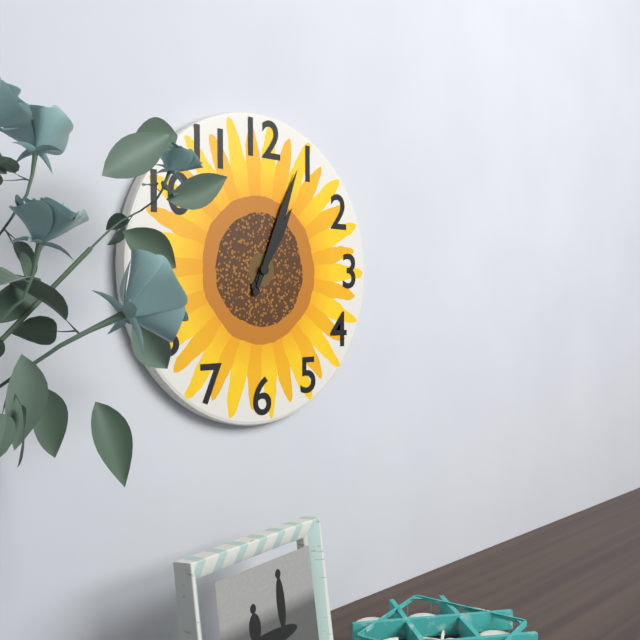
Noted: 1h04
